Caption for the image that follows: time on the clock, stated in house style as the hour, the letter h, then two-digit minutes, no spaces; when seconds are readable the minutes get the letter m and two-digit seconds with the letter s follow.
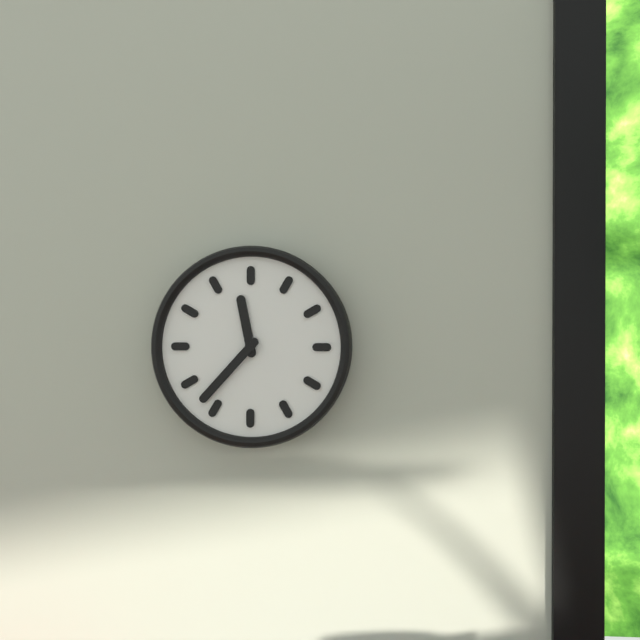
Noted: 11h37
